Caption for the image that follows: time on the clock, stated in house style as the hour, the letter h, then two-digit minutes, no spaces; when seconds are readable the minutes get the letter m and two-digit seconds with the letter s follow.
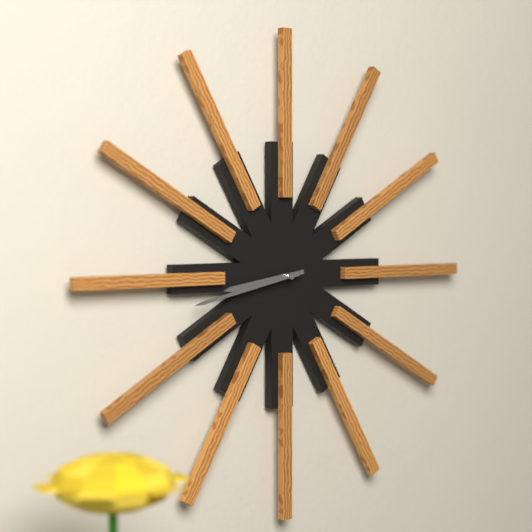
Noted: 8h43
